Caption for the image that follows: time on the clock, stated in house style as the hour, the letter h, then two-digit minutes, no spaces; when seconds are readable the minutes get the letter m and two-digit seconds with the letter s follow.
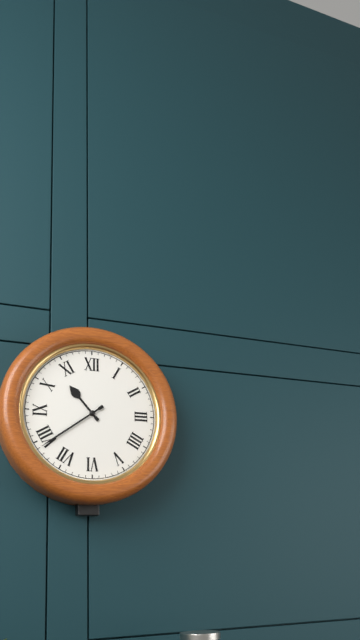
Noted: 10h39
